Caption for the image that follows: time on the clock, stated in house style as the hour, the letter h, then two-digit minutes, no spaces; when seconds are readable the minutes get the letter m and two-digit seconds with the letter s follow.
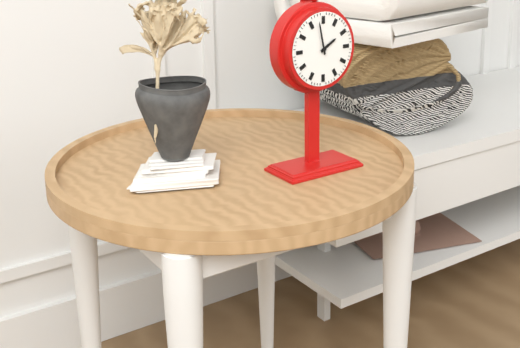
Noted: 1h58
